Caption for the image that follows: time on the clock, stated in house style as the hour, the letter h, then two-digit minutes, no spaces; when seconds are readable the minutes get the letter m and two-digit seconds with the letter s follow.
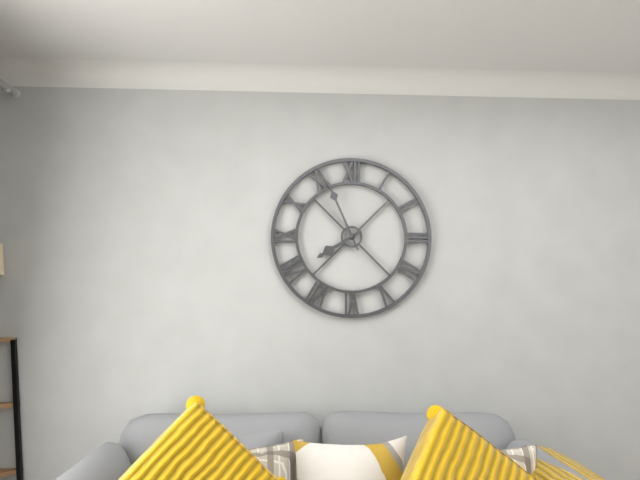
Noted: 7h56
